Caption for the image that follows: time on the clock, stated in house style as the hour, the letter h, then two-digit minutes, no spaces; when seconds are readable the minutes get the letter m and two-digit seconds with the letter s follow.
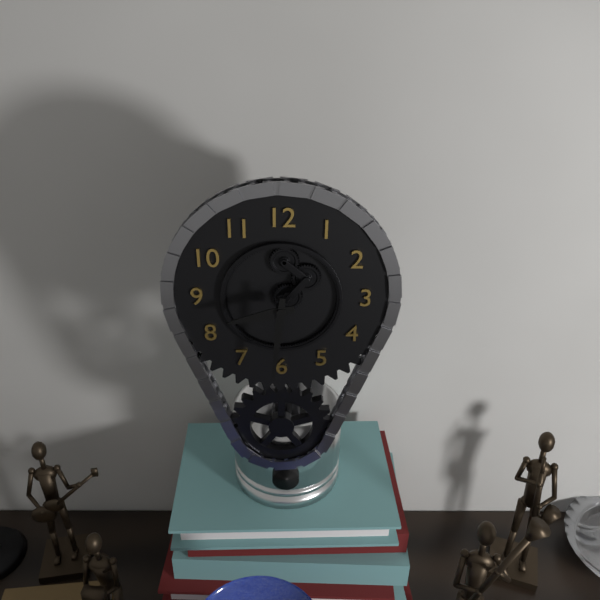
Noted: 8h31
